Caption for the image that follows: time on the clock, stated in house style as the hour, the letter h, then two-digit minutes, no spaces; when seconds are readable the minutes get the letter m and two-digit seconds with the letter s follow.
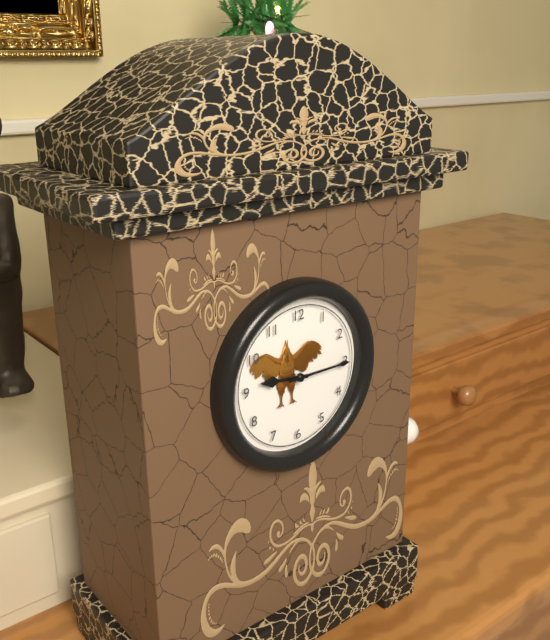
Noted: 9h15
